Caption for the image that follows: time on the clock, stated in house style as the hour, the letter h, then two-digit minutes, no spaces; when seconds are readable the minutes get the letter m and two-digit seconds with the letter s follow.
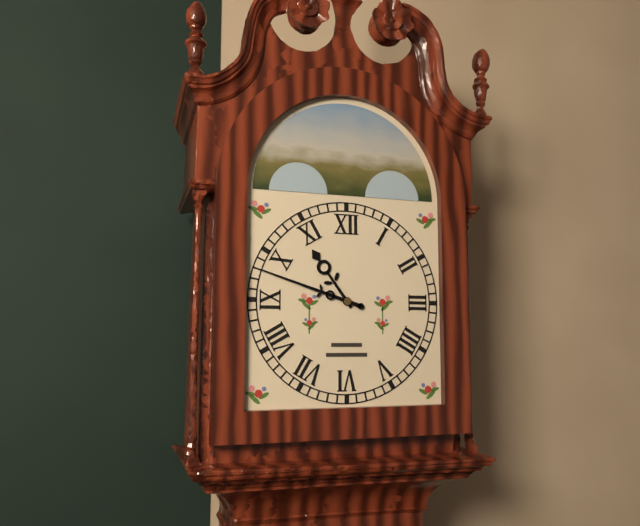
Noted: 10h48
